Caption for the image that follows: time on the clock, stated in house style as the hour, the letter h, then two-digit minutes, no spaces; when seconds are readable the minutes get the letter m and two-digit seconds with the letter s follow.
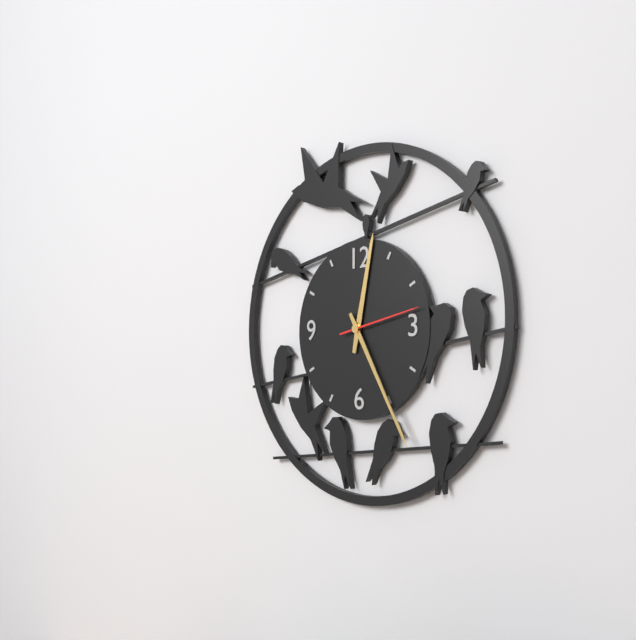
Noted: 12h25m13s
